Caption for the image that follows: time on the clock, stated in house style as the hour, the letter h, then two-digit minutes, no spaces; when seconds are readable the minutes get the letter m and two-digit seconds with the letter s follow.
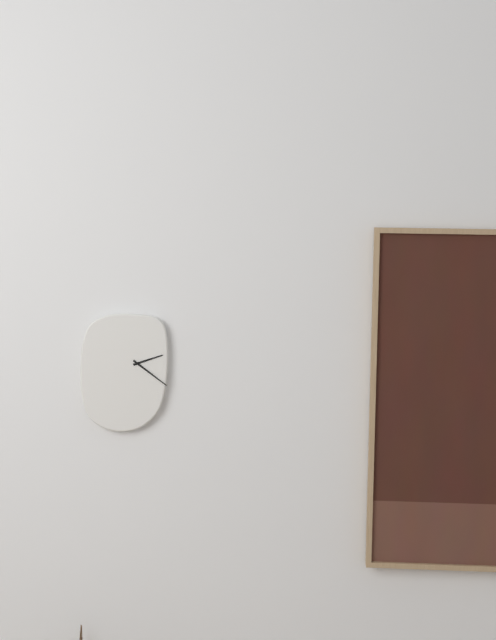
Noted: 2h21
